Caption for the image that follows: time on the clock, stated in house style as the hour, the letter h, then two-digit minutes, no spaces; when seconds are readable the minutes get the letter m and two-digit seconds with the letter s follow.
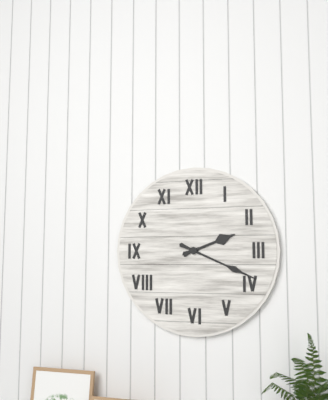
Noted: 2h19
